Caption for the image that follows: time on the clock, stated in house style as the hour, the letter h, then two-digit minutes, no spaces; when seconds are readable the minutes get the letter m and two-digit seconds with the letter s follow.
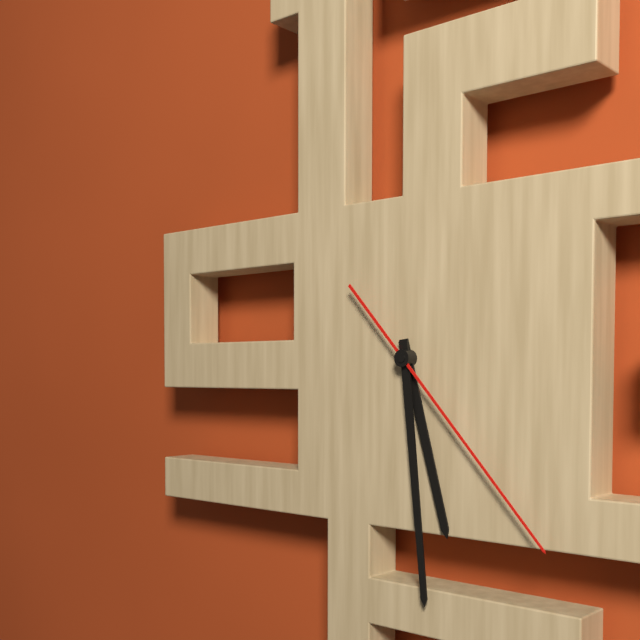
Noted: 5h29m23s
